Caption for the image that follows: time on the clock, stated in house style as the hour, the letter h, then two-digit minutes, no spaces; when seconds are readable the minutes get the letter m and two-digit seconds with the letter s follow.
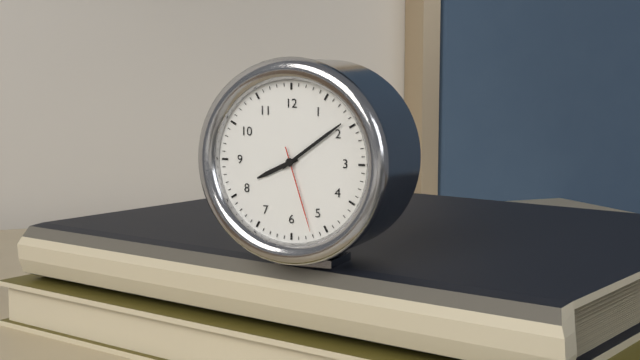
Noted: 8h09m27s
